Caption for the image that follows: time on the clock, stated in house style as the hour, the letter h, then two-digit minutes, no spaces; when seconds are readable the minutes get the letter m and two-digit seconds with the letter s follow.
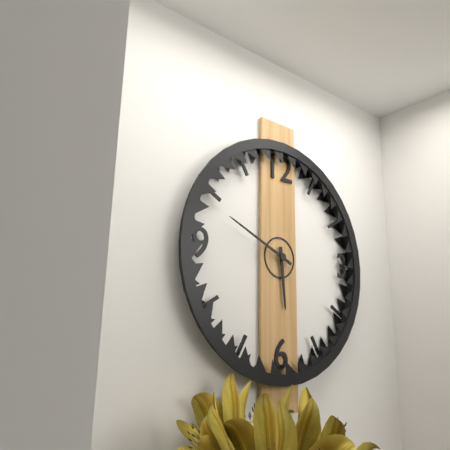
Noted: 5h49
